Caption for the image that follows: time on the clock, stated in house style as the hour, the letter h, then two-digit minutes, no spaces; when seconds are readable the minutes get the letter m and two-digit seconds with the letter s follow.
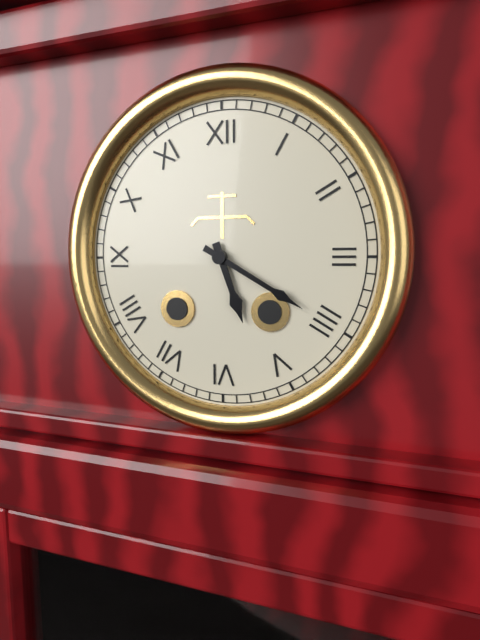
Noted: 5h20
